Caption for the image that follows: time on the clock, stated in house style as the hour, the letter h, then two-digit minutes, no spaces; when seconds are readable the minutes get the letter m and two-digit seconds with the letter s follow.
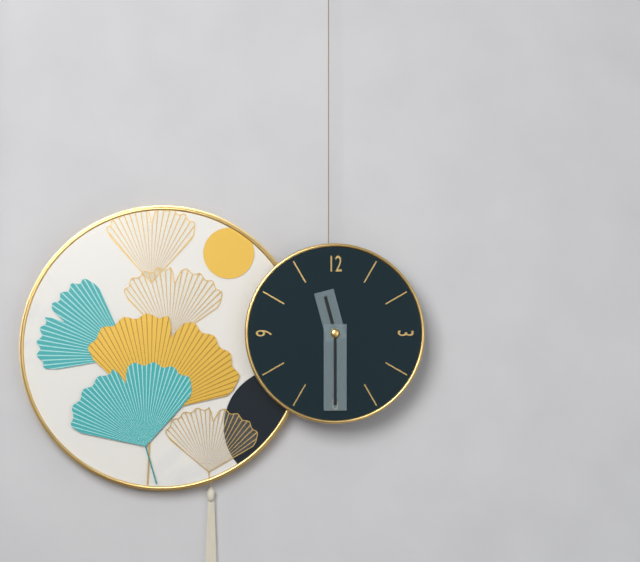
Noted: 11h30
